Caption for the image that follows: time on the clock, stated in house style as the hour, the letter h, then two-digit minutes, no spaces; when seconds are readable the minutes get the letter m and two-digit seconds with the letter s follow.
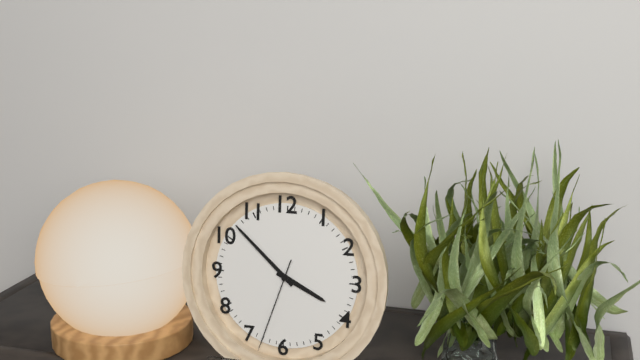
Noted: 3h52m33s
